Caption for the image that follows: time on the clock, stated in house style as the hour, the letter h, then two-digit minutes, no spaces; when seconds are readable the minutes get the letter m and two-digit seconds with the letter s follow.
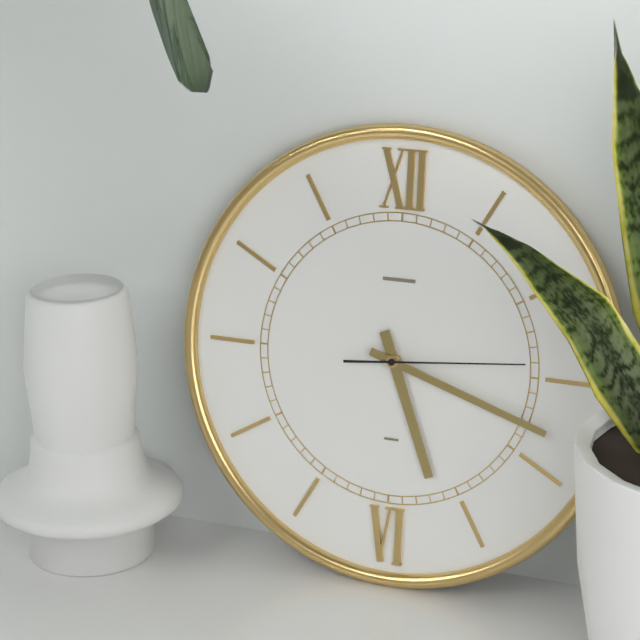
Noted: 5h18m14s
